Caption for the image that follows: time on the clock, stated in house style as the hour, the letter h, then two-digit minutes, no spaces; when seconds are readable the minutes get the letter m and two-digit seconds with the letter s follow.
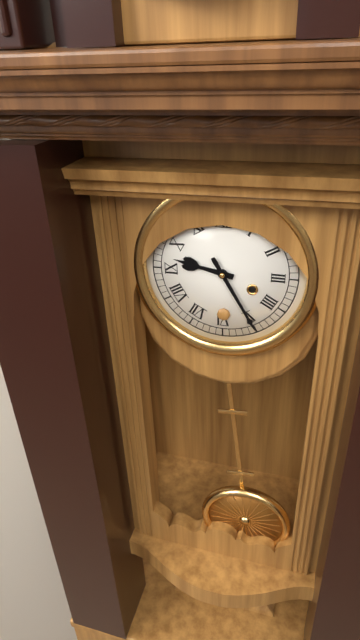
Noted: 9h25
